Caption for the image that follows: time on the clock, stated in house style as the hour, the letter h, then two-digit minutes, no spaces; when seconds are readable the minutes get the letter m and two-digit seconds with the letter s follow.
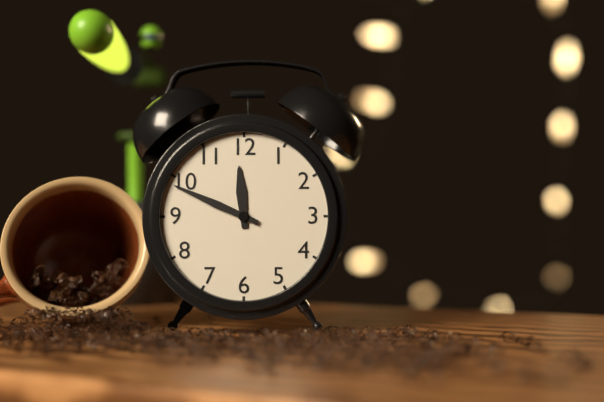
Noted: 11h49
